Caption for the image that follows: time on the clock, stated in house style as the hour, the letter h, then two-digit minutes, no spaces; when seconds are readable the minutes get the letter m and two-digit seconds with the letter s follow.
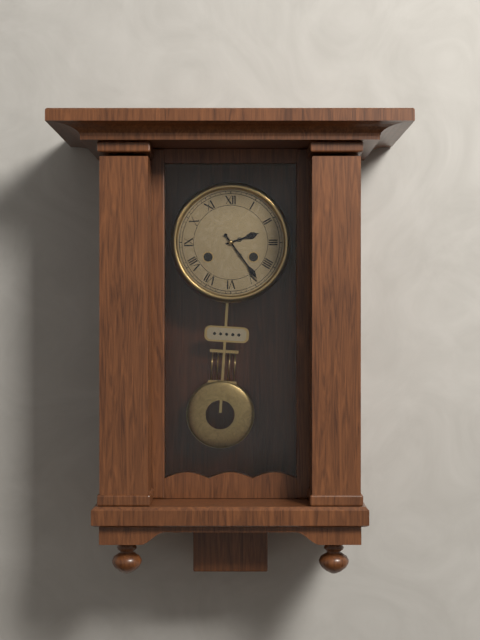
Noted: 2h24
